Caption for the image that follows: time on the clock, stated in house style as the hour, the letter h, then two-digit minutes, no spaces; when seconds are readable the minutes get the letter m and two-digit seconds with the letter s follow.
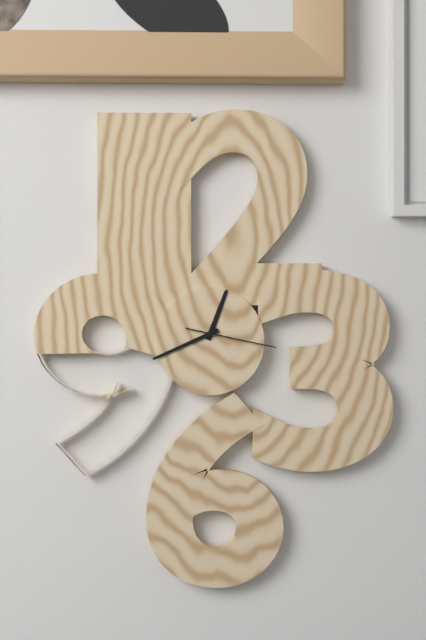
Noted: 12h41m17s
